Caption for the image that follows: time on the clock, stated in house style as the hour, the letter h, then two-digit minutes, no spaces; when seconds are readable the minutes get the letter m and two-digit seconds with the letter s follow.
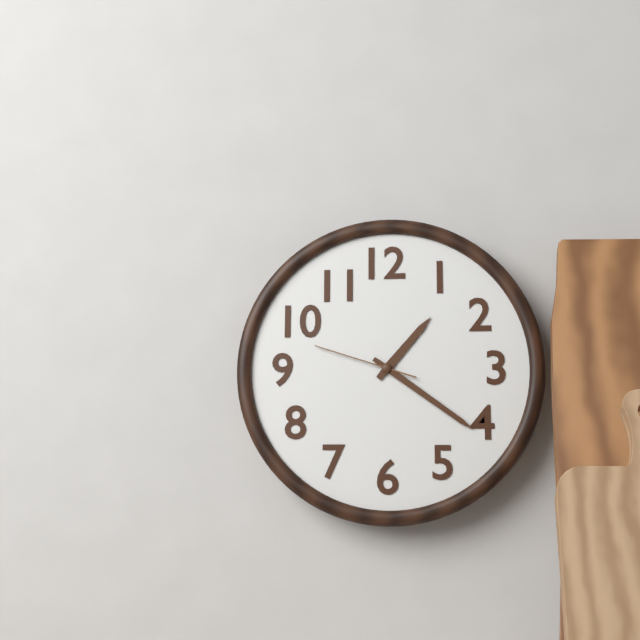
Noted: 1h21m48s
